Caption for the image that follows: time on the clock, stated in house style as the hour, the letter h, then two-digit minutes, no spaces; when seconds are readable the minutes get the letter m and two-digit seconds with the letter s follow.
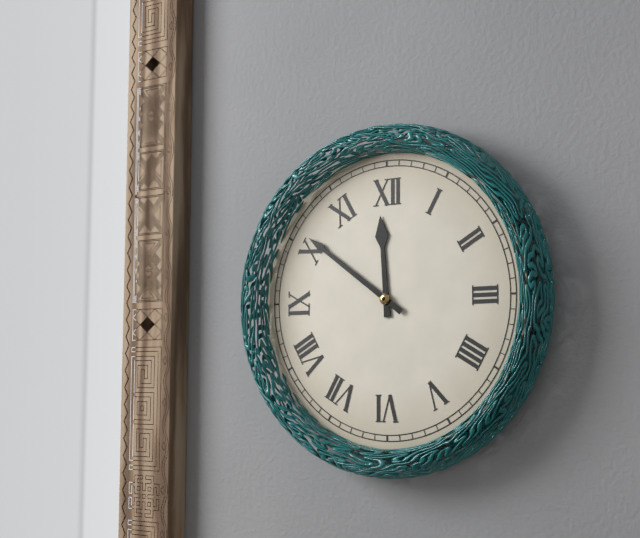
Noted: 11h51
